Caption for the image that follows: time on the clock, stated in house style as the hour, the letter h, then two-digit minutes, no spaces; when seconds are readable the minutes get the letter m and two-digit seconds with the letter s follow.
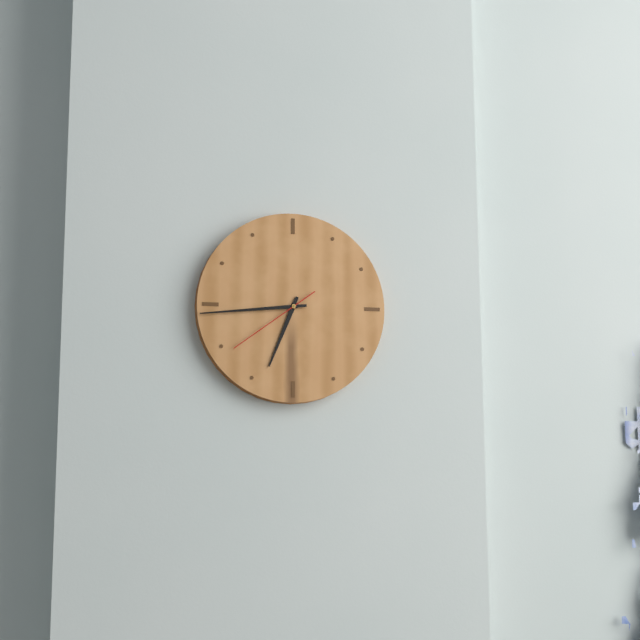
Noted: 6h44m39s
